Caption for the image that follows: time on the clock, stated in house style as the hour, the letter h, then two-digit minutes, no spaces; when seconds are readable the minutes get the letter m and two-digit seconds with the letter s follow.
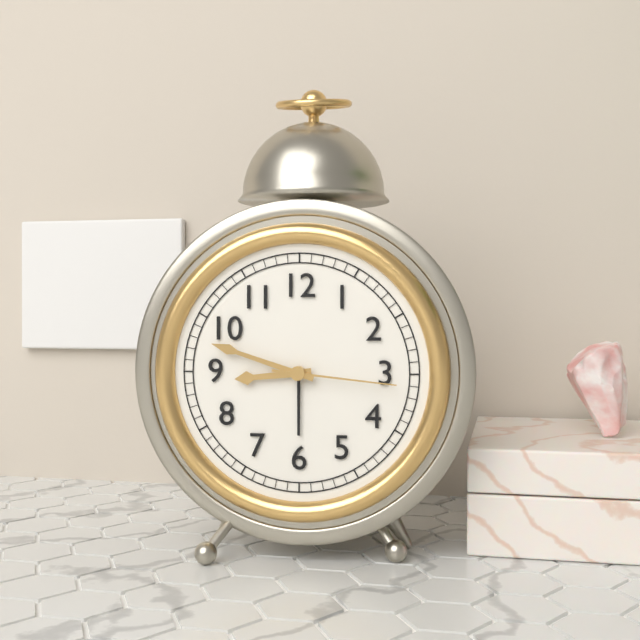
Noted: 8h48m16s
